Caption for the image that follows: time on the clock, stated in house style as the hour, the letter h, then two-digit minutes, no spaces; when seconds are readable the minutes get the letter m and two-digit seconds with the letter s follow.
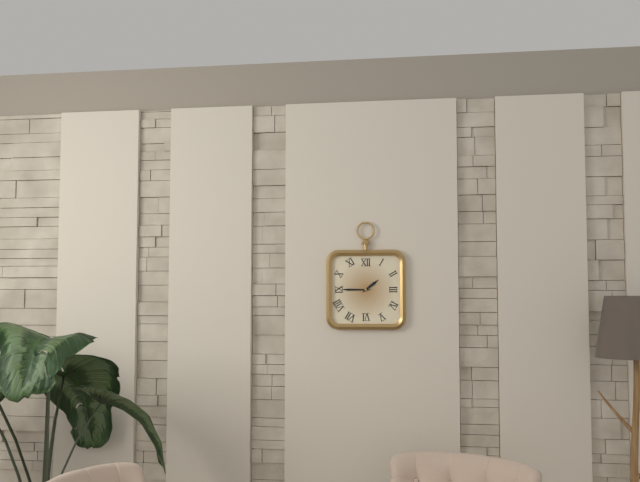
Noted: 1h45
